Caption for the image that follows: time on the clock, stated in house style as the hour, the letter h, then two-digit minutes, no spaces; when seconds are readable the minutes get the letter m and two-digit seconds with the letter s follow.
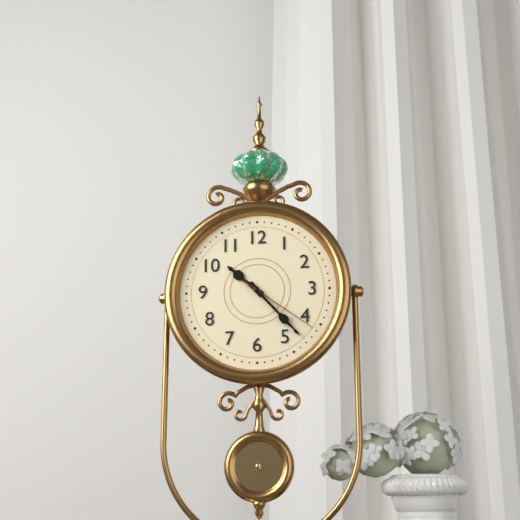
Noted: 10h23m21s
